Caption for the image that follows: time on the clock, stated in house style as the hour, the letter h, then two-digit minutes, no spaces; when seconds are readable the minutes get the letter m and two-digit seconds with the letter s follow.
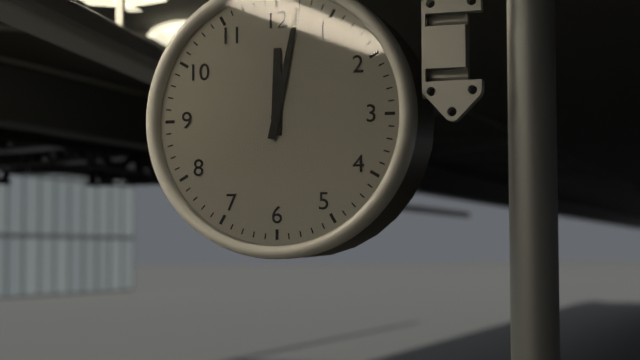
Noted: 12h02
